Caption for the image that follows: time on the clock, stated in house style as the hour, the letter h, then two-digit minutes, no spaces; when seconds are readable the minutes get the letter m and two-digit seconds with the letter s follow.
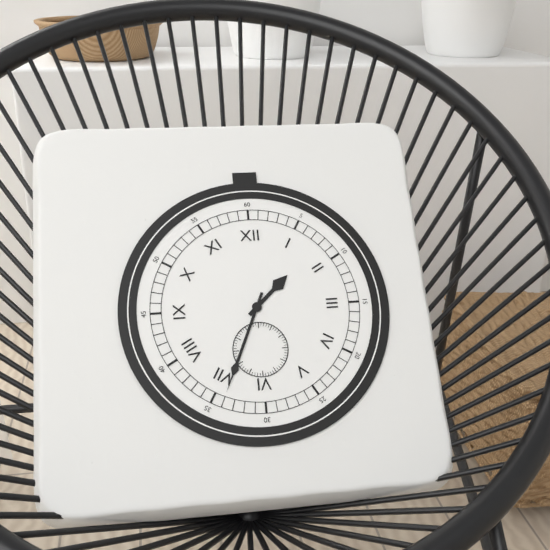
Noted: 1h34
